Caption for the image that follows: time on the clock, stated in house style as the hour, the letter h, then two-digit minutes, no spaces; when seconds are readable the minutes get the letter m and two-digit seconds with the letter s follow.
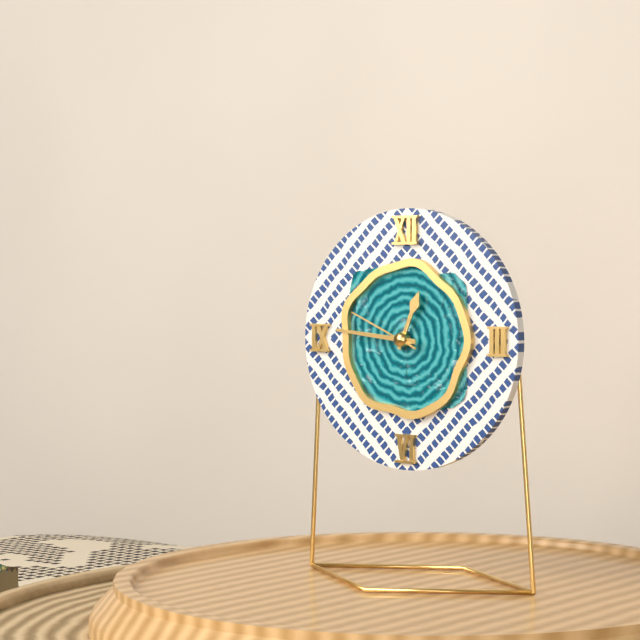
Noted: 12h46m49s
